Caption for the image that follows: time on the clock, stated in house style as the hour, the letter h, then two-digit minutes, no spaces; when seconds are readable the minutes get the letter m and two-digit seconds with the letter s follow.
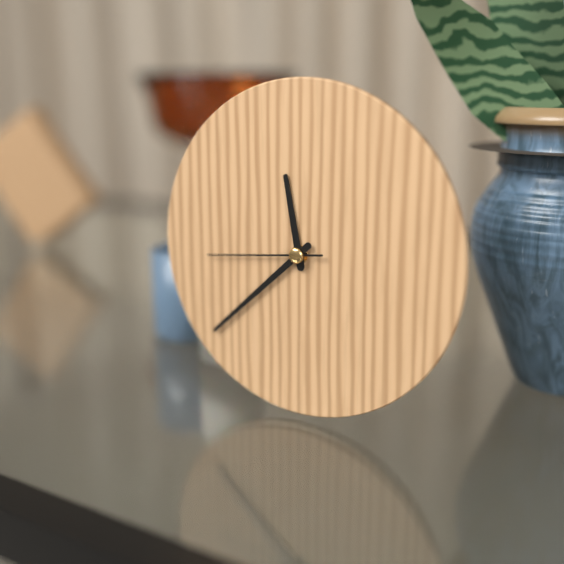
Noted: 11h38m44s
